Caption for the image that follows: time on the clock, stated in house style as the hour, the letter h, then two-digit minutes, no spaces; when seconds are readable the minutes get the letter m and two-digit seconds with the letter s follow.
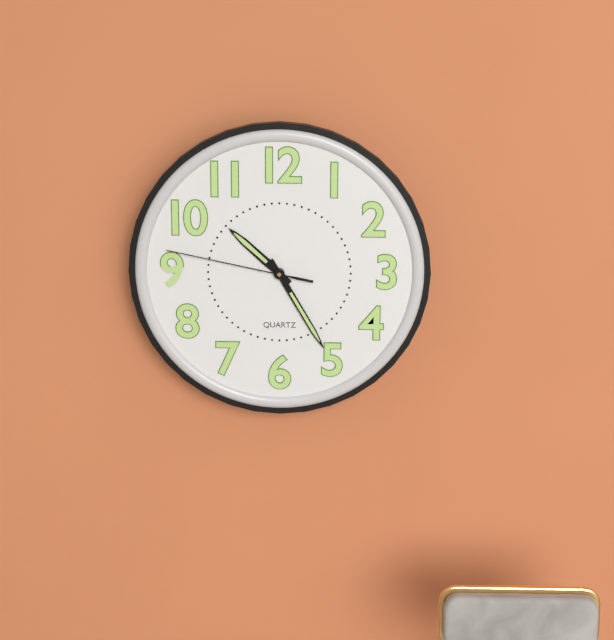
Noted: 10h25m47s
